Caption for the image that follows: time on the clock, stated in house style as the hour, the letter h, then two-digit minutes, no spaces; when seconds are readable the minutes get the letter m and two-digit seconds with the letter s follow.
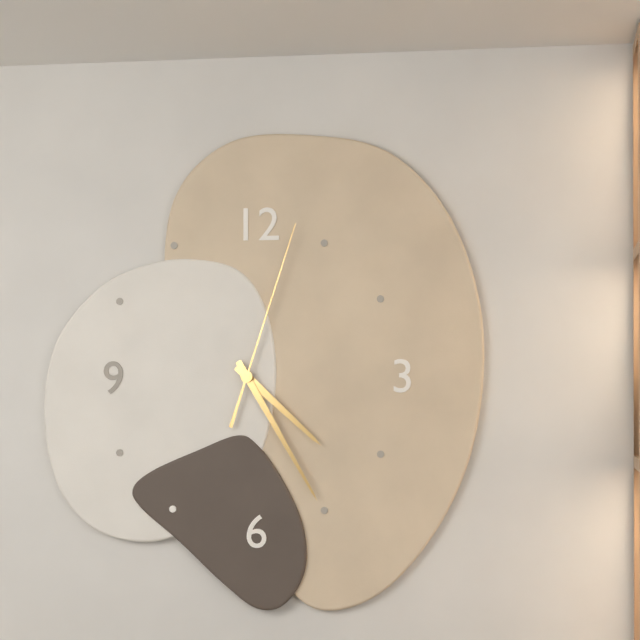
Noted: 4h25m03s
